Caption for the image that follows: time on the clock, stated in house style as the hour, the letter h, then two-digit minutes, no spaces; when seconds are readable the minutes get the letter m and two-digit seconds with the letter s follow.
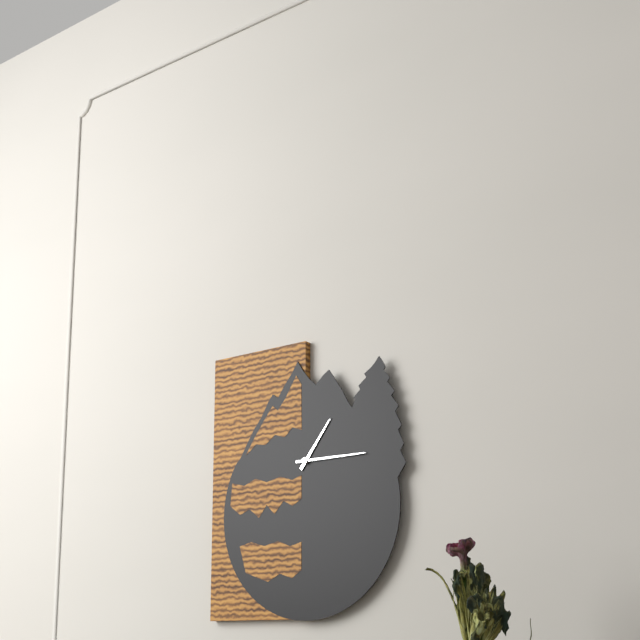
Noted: 1h15
